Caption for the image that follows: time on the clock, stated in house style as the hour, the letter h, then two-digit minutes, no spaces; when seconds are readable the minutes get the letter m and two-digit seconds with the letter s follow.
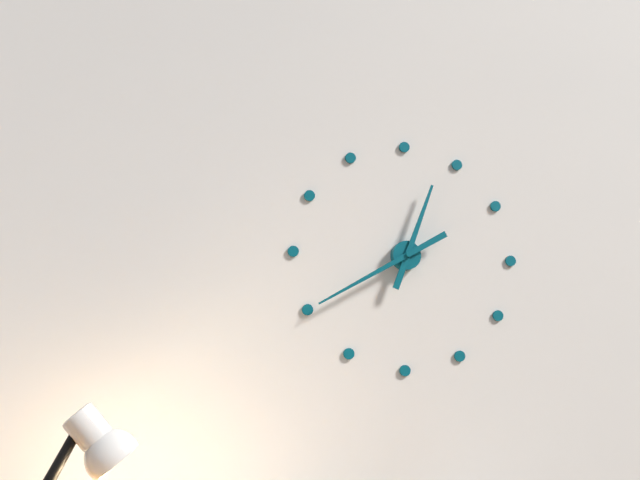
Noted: 12h40
